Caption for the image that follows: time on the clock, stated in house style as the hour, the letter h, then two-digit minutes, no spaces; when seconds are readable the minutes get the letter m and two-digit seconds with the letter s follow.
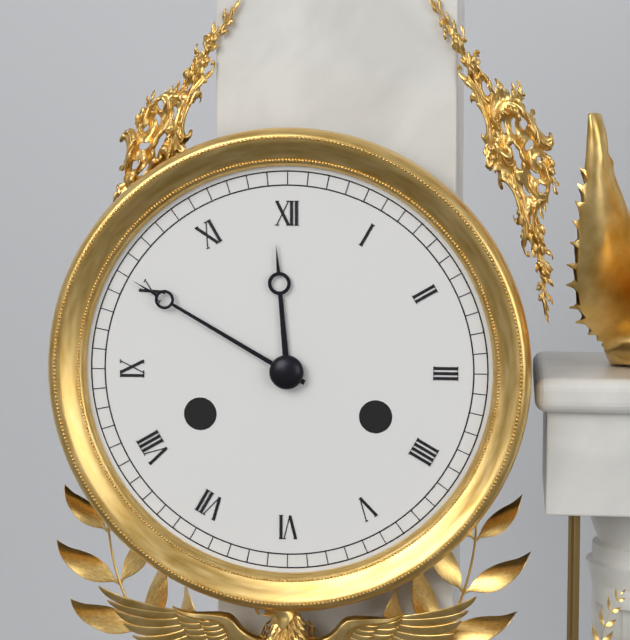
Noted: 11h50
